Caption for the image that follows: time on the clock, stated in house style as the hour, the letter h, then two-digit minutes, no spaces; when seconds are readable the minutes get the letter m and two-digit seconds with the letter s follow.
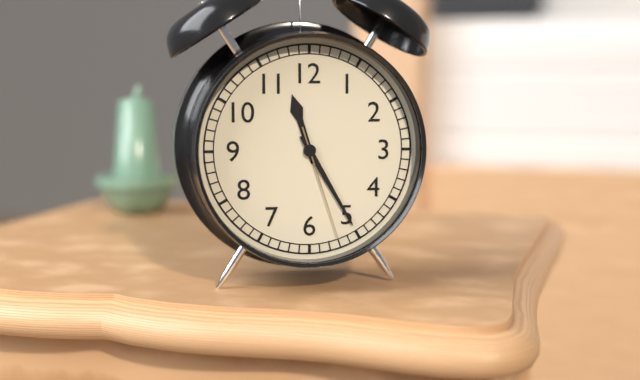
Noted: 11h25m27s
